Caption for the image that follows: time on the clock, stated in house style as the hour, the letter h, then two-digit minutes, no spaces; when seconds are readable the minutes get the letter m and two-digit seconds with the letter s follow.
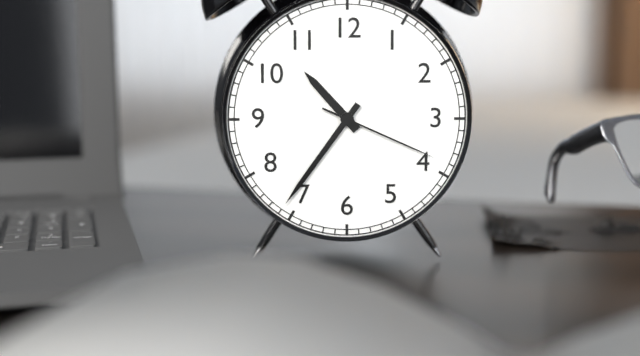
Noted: 10h36m19s
